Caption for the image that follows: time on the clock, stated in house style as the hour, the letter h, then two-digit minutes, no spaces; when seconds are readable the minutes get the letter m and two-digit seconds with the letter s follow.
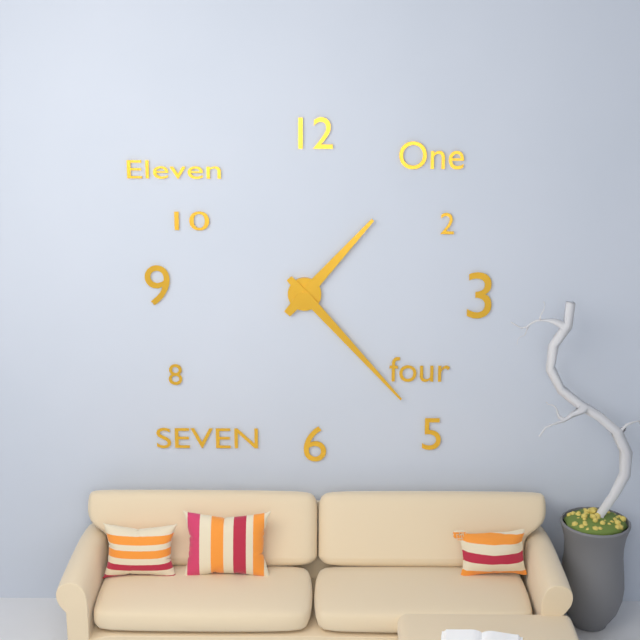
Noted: 1h23
